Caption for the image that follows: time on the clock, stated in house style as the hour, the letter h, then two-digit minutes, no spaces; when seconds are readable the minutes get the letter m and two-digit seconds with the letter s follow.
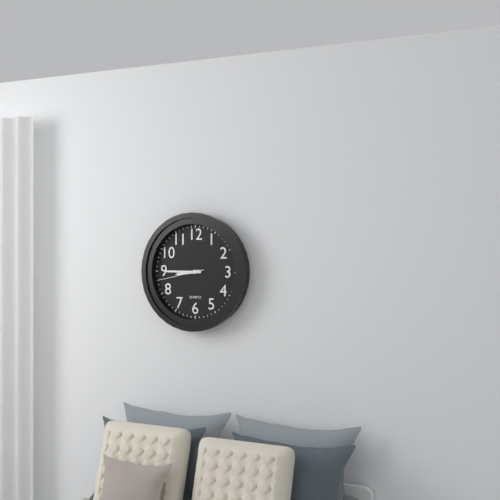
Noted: 8h45
